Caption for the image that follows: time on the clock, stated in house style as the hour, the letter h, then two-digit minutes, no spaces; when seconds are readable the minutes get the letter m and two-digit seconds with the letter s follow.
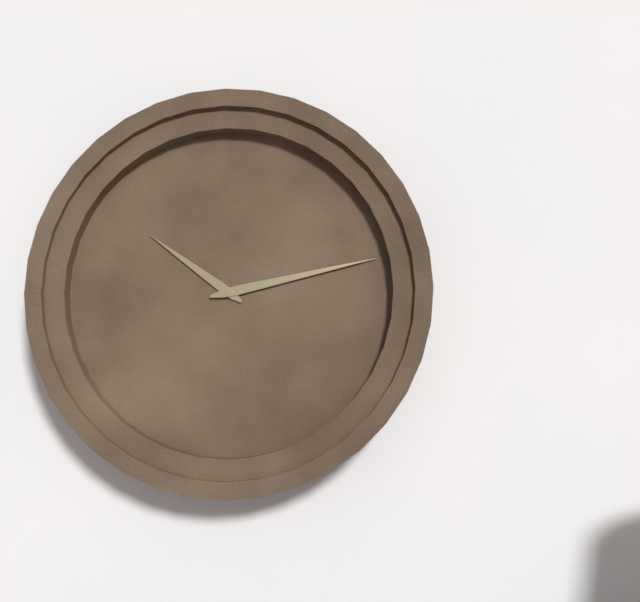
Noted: 10h13
